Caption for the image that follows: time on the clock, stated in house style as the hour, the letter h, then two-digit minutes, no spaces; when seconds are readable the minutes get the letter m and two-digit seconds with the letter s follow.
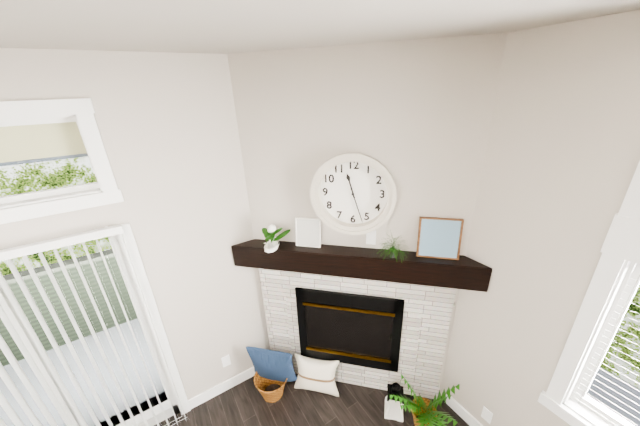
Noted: 11h27
